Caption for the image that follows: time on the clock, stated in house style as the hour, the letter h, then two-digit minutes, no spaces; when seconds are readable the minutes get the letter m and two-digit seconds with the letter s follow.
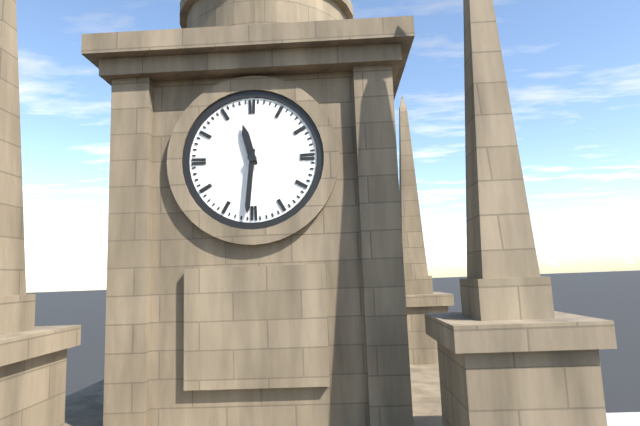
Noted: 11h31
